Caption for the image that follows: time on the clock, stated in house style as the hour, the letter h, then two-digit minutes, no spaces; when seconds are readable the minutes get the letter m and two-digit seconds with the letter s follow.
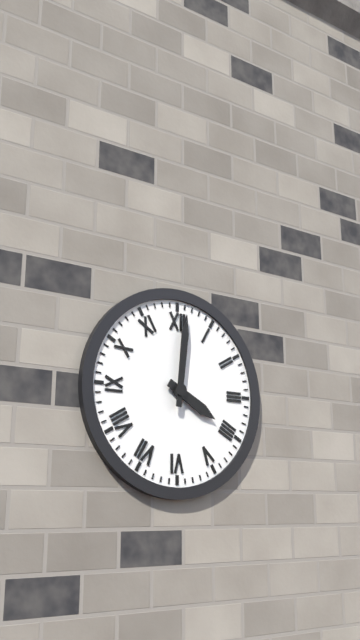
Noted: 4h01
